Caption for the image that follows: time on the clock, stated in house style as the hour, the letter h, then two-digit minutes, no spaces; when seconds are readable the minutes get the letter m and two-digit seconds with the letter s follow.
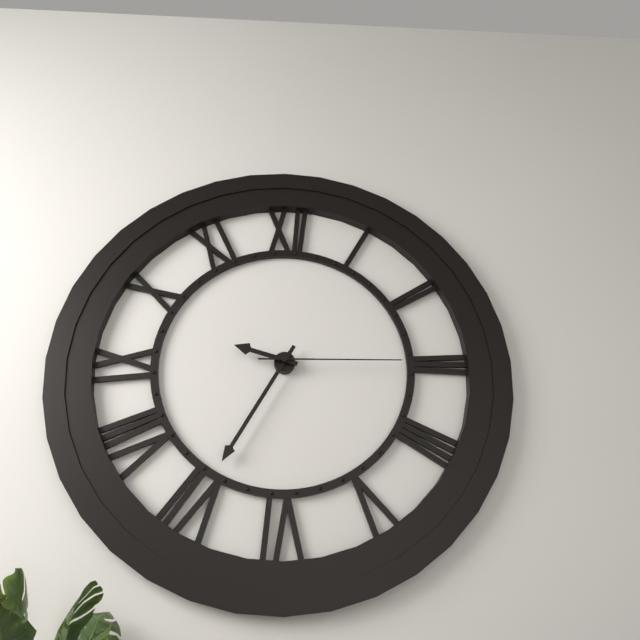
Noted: 9h35m15s
